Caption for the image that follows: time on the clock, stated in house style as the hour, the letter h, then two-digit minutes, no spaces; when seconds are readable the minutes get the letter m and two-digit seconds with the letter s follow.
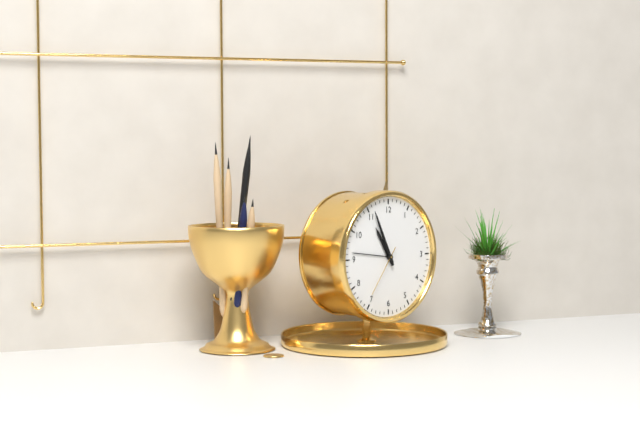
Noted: 10h56m36s
